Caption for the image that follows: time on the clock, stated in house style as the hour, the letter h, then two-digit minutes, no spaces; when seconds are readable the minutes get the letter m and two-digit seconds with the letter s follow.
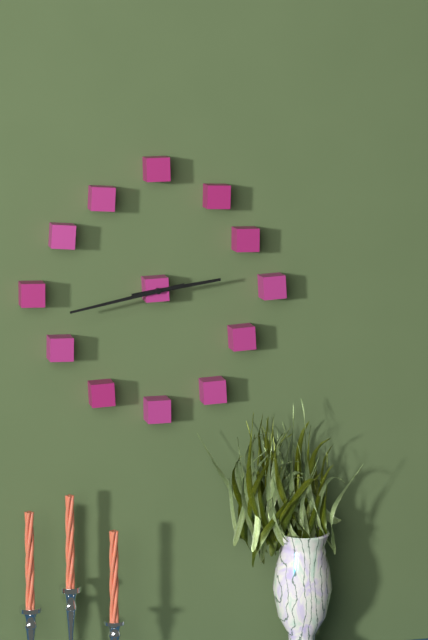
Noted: 2h43
